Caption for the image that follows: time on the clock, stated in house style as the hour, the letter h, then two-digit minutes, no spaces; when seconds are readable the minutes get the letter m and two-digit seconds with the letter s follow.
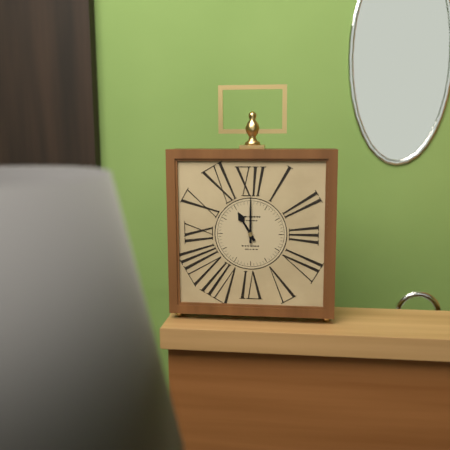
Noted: 11h00
